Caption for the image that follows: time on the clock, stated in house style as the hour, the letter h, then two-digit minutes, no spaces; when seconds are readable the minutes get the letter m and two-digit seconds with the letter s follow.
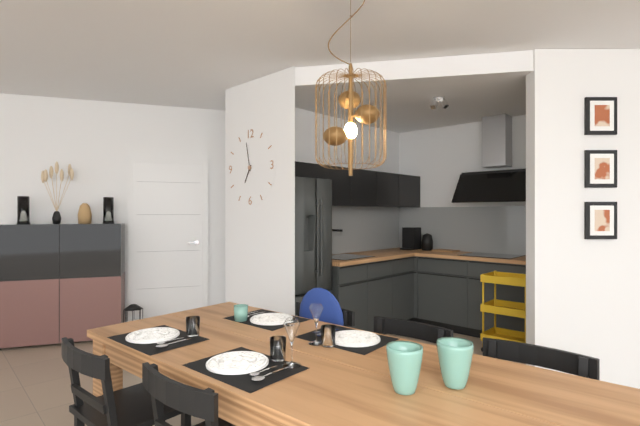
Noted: 6h58
